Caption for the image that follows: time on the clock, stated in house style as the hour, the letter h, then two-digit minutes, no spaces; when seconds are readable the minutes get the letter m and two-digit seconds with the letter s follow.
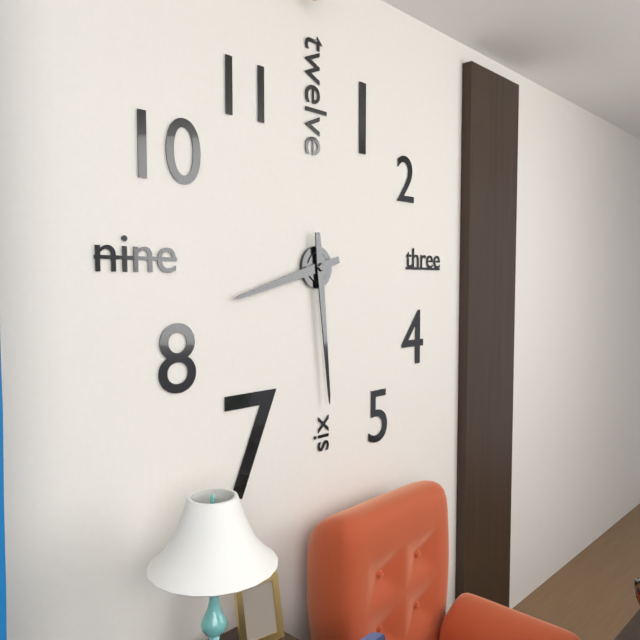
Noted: 8h29
